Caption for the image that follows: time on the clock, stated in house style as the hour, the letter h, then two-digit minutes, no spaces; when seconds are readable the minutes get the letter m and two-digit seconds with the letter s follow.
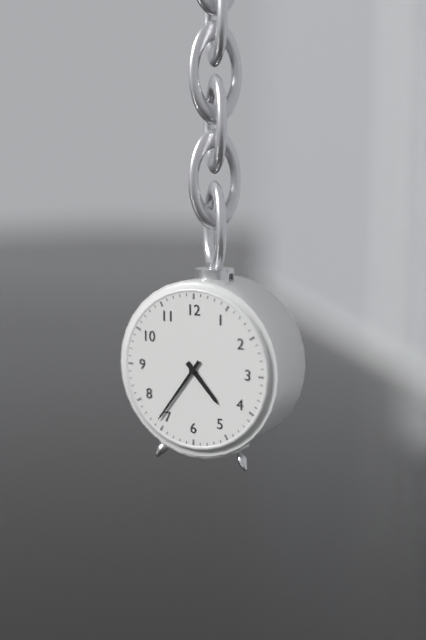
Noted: 4h36
